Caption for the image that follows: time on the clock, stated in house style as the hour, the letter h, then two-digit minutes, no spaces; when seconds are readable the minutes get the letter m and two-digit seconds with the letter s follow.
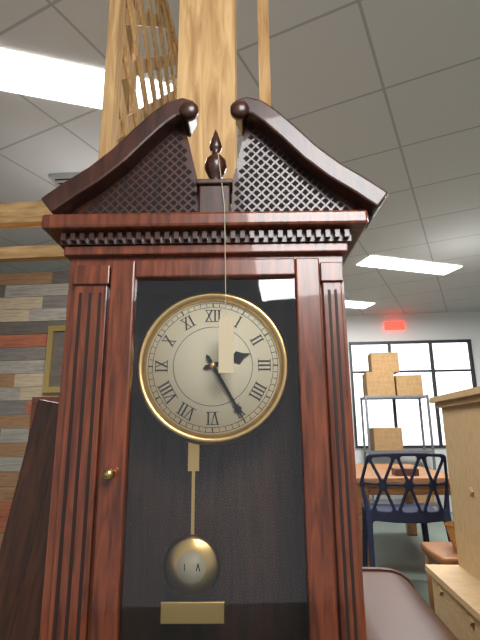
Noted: 2h25
